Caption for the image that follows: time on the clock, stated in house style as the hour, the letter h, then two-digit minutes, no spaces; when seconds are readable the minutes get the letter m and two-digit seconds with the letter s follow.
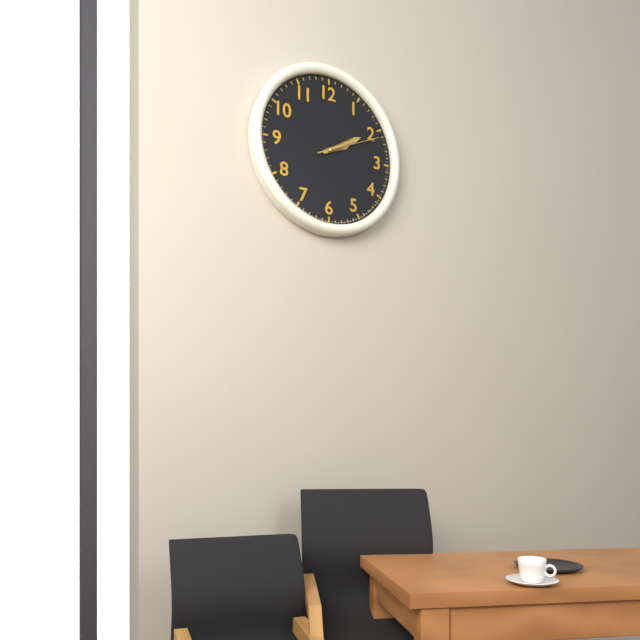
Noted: 2h10m11s
